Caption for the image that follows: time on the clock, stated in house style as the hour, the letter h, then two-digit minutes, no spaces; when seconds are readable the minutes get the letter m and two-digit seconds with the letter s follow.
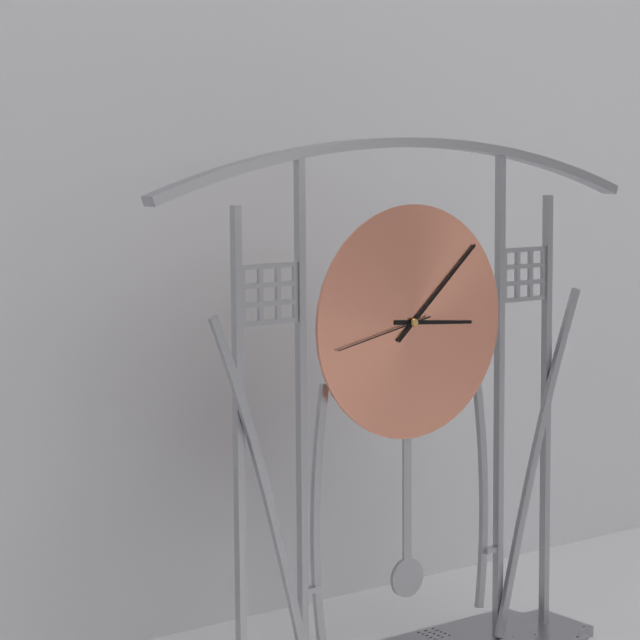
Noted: 3h08m43s
